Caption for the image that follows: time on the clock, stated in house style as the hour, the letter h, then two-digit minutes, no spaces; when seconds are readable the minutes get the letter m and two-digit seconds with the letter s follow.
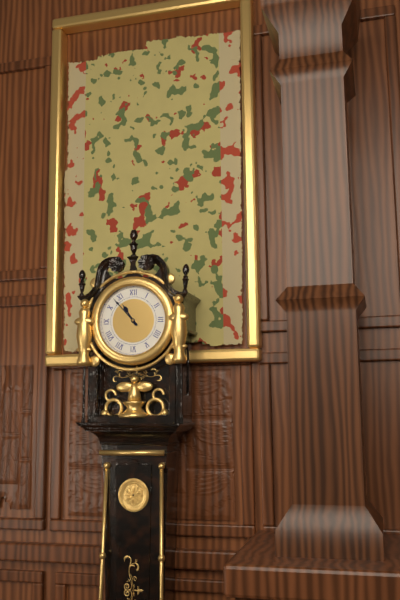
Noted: 10h53
